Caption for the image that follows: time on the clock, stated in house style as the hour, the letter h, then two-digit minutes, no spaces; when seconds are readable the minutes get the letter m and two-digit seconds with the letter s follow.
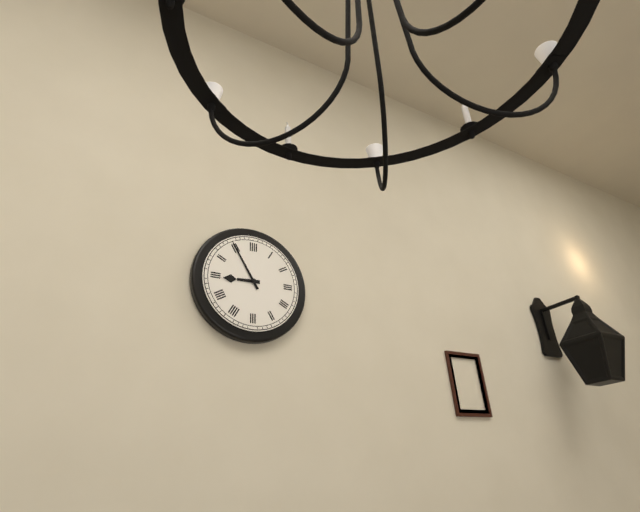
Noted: 8h55
